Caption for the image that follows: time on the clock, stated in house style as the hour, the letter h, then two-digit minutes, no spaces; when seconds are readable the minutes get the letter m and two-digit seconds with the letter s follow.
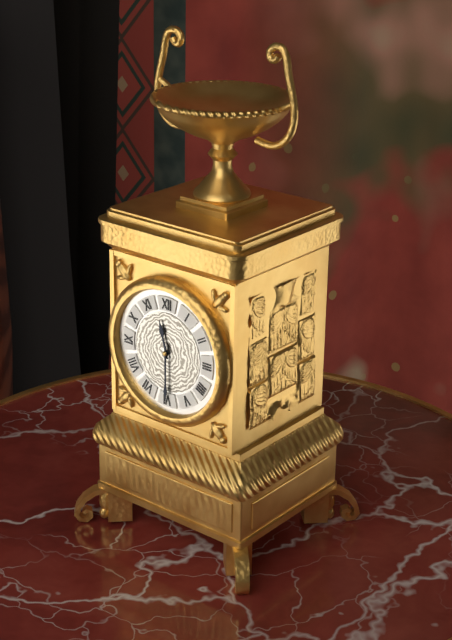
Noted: 11h30
